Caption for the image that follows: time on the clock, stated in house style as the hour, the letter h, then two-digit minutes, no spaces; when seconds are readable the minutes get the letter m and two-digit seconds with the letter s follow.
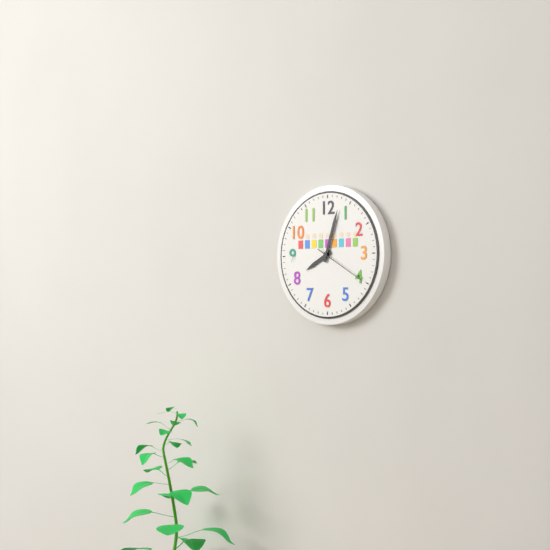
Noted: 8h03m20s
